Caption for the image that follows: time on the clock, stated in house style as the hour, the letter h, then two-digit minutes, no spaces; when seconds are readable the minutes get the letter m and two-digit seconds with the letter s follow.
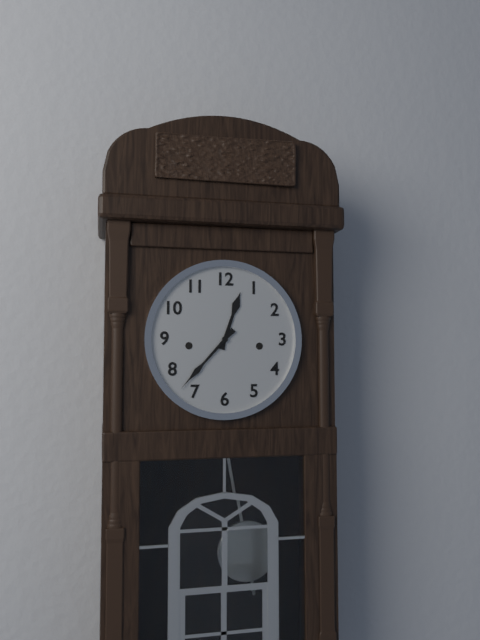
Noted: 12h37
